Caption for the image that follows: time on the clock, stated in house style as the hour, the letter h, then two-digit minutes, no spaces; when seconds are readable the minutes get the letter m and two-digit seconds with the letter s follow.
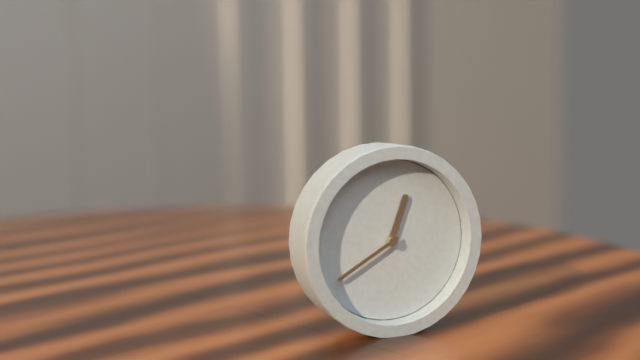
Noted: 12h40
